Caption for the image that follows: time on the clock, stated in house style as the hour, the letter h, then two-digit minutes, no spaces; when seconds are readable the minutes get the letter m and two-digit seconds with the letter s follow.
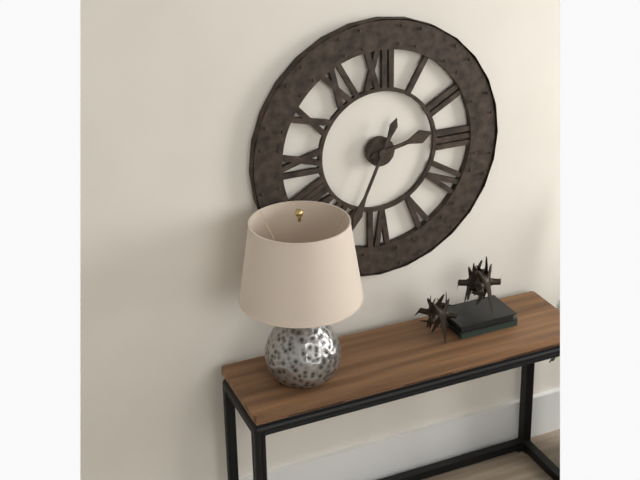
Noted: 2h34
